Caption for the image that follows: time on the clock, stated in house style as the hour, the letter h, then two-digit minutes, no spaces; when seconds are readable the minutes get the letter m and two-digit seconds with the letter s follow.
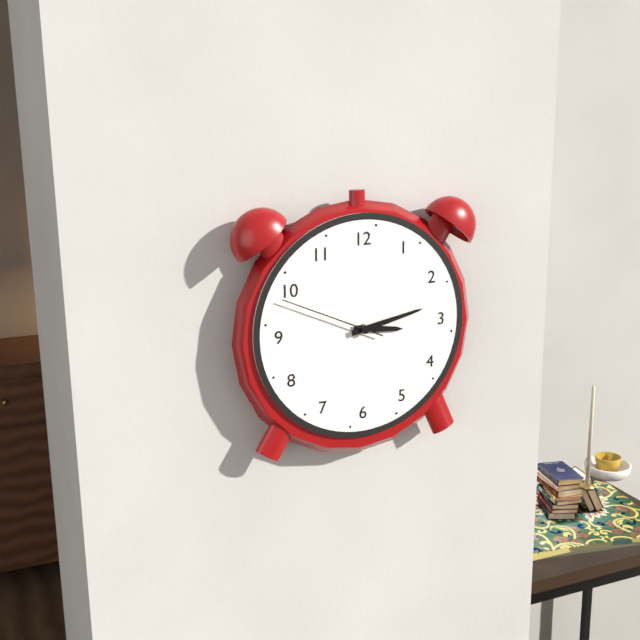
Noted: 3h13m49s
